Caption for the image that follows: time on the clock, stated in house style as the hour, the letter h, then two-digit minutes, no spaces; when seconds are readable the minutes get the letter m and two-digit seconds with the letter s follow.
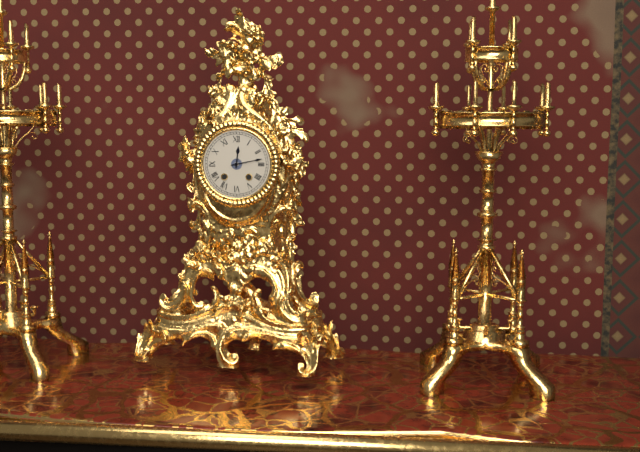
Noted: 12h13
